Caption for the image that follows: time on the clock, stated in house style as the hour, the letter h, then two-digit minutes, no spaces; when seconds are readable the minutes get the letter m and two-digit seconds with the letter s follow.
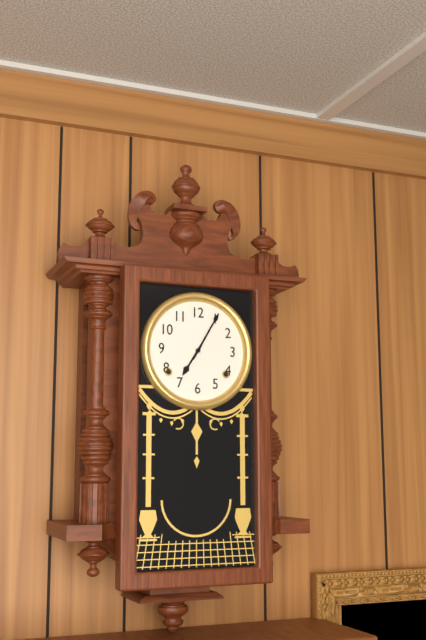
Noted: 7h05
